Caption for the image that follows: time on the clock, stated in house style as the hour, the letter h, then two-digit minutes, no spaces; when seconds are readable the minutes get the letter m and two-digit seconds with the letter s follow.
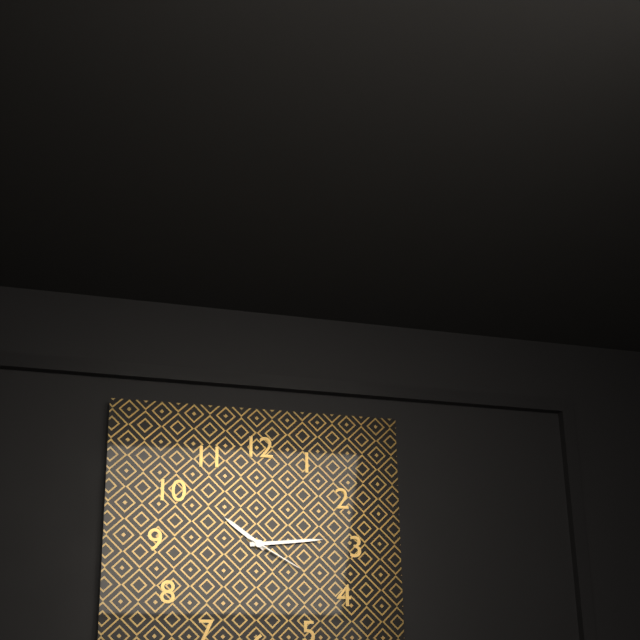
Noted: 10h14m20s
